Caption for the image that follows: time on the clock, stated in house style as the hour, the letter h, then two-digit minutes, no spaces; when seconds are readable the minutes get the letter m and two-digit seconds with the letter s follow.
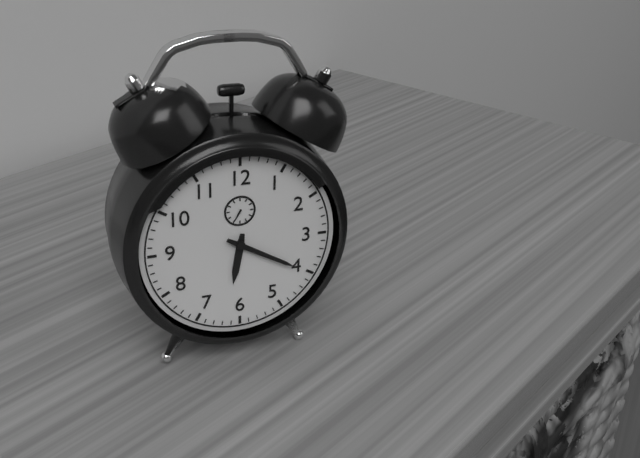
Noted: 6h20
